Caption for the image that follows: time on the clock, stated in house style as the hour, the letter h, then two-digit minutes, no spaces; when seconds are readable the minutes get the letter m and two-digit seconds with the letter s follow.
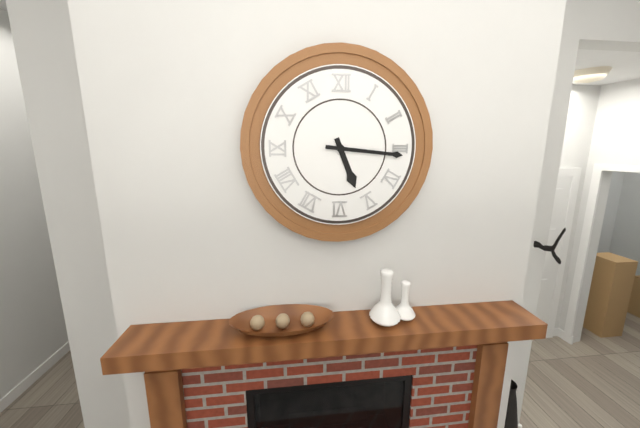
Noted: 5h16
